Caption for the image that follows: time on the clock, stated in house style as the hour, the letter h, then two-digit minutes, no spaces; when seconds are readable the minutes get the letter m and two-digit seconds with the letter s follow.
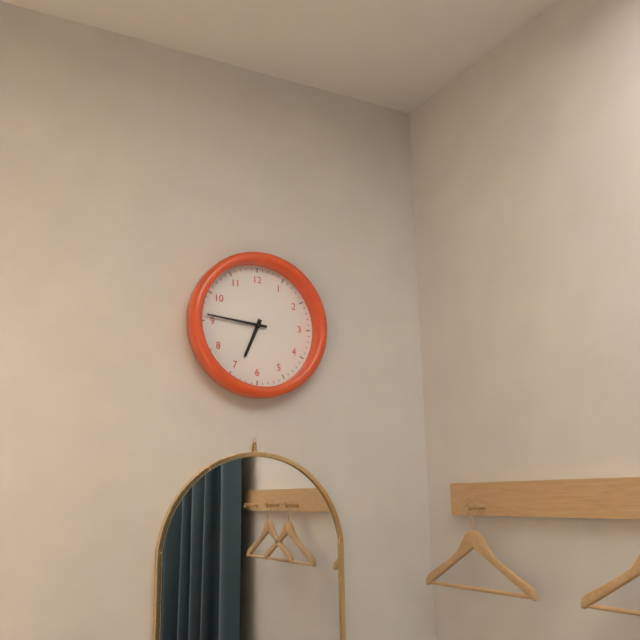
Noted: 6h46
